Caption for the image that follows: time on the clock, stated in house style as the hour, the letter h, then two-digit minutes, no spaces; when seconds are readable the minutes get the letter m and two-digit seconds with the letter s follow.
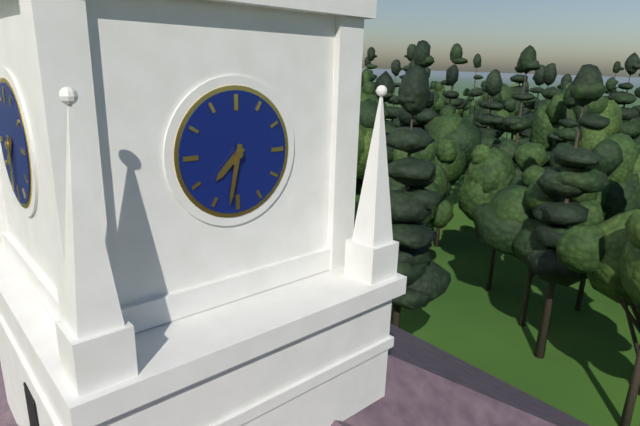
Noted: 7h32
